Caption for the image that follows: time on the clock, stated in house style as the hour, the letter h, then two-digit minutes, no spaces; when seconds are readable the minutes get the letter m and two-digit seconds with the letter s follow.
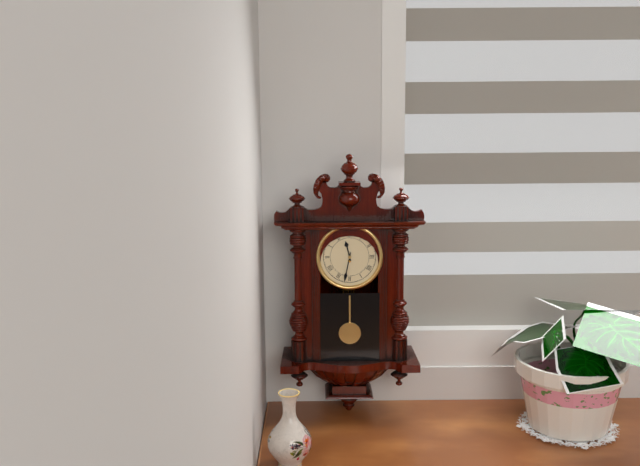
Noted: 11h32
